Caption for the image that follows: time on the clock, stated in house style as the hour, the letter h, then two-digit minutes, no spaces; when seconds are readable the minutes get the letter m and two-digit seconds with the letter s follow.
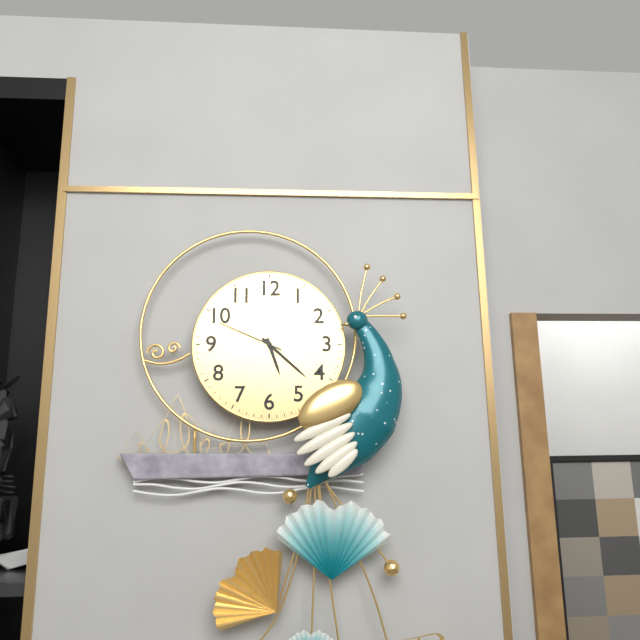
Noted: 5h22m49s
